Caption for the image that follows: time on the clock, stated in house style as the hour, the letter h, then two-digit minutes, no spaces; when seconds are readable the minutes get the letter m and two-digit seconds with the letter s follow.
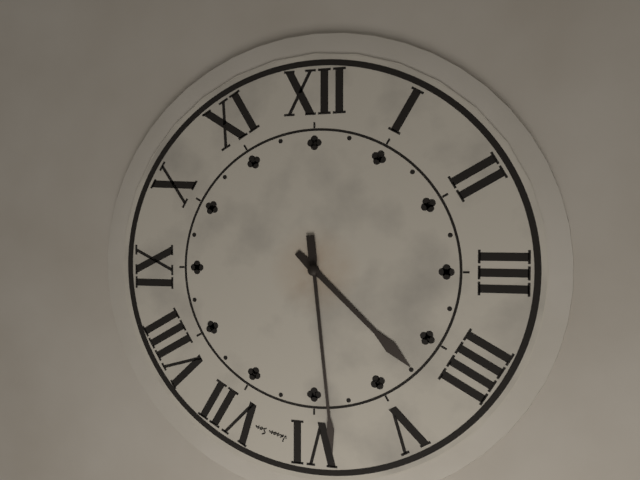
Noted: 4h29
